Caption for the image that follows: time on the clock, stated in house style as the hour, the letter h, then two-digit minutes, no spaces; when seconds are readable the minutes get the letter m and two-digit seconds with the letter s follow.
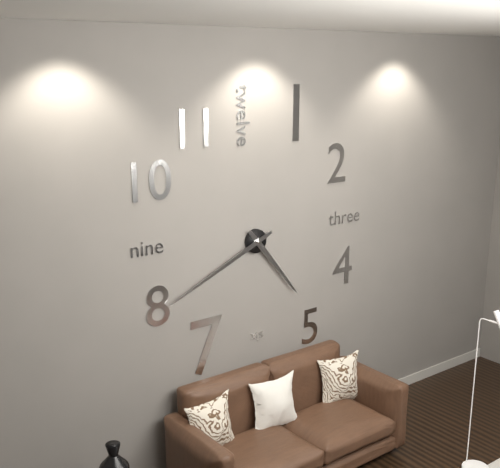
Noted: 4h41
